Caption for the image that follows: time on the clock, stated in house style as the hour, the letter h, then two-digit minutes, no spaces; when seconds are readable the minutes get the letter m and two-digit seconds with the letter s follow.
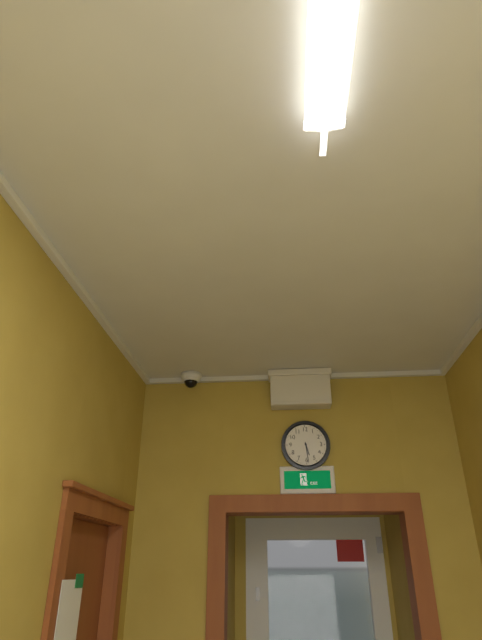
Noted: 5h29
